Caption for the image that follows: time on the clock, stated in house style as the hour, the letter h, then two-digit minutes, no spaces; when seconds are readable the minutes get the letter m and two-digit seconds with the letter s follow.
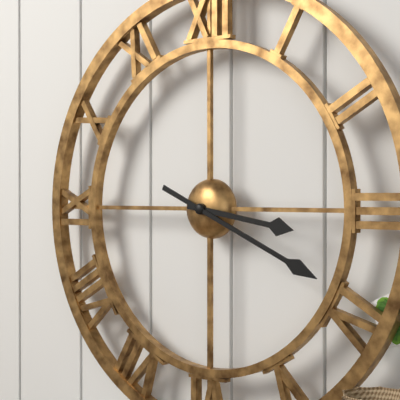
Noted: 3h19
